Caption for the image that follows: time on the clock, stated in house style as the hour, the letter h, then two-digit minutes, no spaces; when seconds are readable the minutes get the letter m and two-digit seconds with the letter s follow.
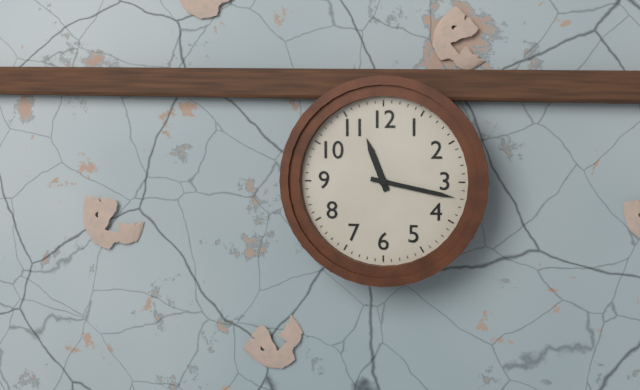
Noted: 11h17
